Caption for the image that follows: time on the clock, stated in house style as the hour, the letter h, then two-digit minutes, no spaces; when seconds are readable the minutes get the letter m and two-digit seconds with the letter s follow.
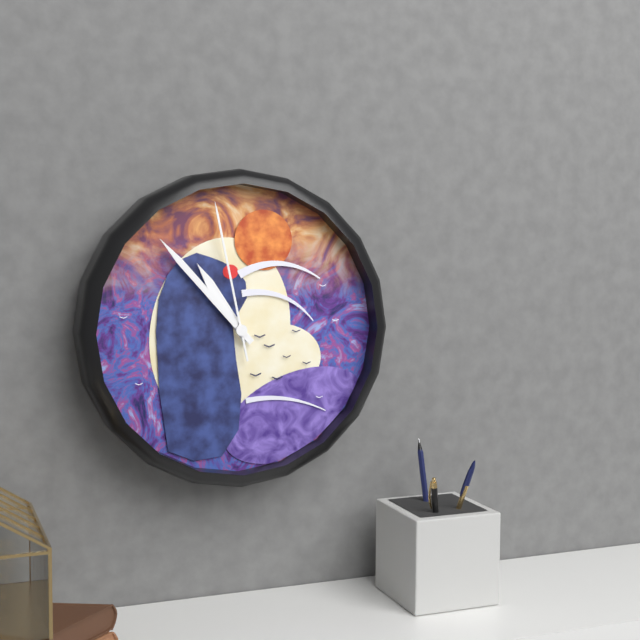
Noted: 10h53m58s
